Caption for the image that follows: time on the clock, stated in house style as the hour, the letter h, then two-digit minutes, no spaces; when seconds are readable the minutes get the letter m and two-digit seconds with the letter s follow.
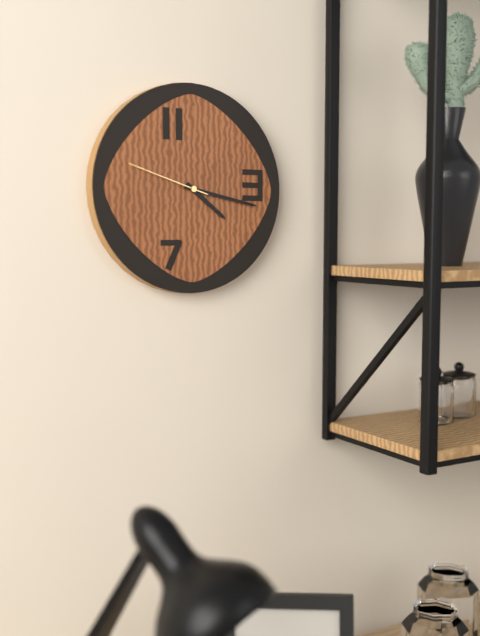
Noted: 4h17m48s
